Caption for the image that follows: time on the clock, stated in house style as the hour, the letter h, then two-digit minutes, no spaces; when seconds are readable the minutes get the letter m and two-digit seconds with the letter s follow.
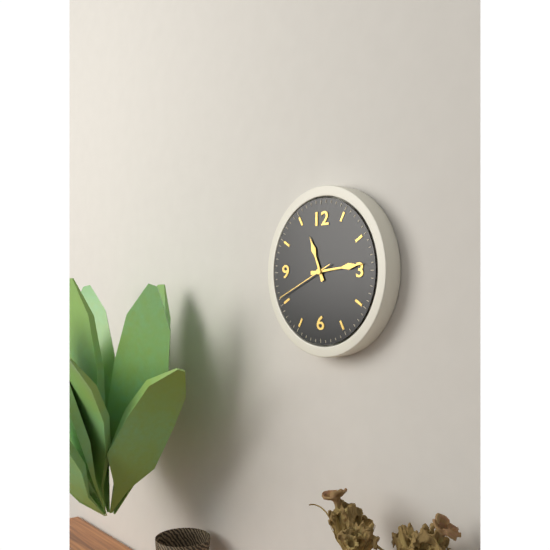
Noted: 11h14m41s
